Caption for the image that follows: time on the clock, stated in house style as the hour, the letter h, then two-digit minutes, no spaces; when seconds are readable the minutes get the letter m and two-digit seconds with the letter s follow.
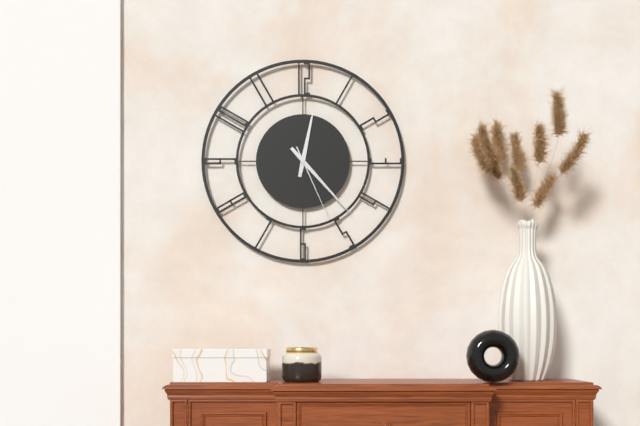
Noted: 12h23m26s
